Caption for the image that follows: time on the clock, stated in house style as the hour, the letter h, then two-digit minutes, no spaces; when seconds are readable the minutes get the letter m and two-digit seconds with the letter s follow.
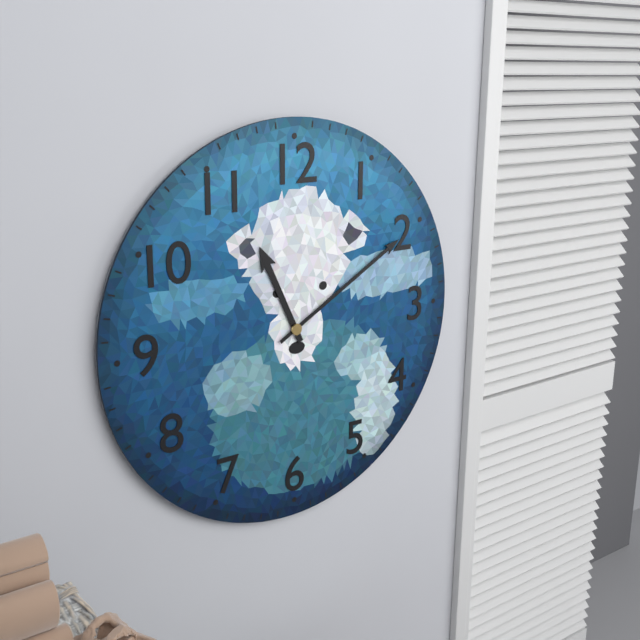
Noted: 11h10
